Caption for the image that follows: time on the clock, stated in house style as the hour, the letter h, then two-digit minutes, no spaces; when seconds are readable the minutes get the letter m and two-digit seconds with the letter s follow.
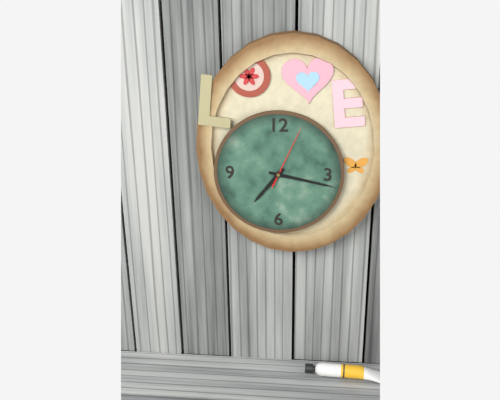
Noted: 7h17m04s
